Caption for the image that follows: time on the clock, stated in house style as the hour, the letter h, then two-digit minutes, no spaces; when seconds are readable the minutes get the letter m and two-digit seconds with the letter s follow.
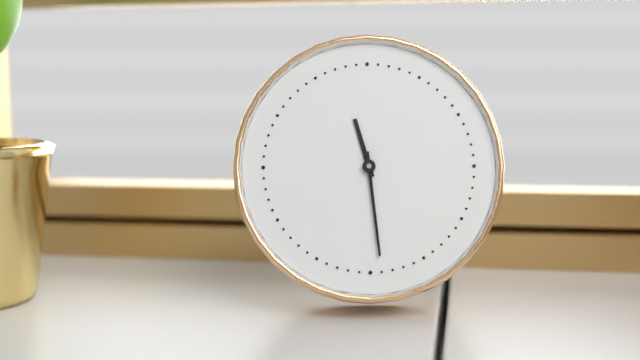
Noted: 11h29
